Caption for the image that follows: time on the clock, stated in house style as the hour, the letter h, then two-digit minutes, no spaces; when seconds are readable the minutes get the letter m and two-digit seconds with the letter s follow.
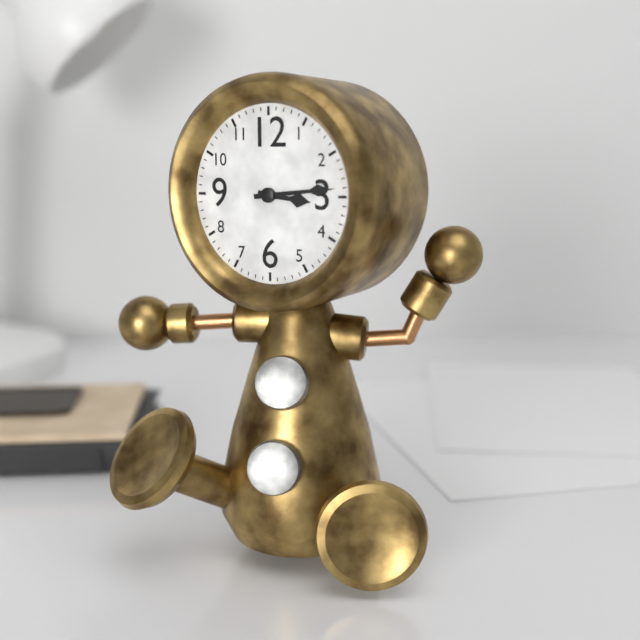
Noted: 3h14
